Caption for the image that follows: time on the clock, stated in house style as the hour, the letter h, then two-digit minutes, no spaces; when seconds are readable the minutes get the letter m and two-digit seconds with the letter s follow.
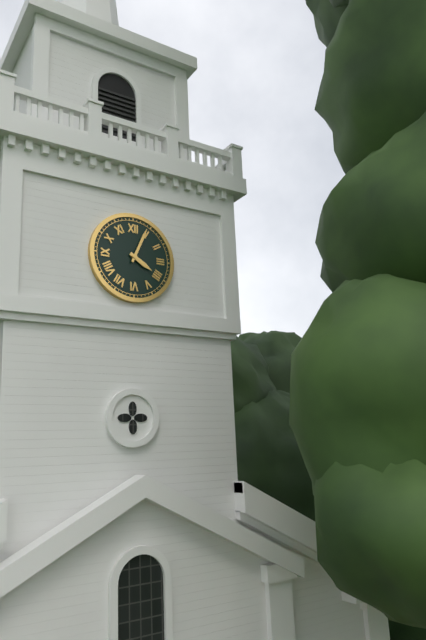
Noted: 4h04
